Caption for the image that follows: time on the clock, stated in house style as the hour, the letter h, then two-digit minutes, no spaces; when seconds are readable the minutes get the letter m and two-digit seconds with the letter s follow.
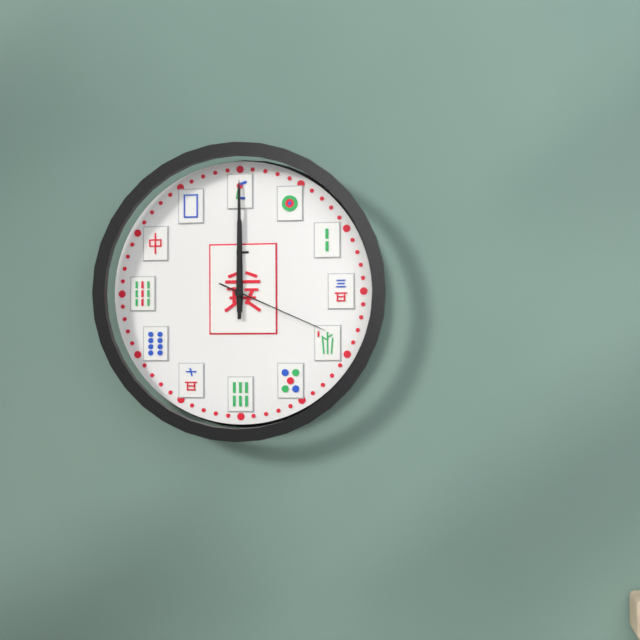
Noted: 12h00m19s
